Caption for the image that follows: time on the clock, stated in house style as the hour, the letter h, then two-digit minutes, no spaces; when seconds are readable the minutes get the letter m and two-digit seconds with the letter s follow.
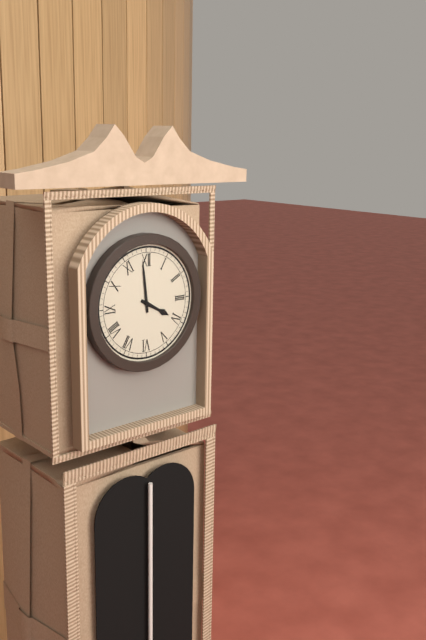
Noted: 3h59
